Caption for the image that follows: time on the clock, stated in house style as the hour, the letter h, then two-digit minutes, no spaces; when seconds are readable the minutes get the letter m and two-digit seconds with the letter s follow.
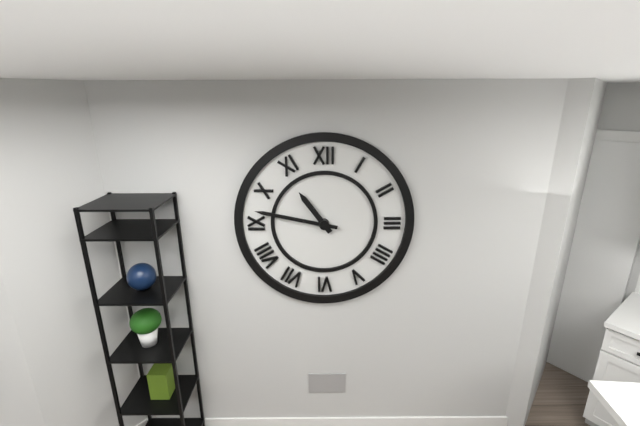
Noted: 10h47
